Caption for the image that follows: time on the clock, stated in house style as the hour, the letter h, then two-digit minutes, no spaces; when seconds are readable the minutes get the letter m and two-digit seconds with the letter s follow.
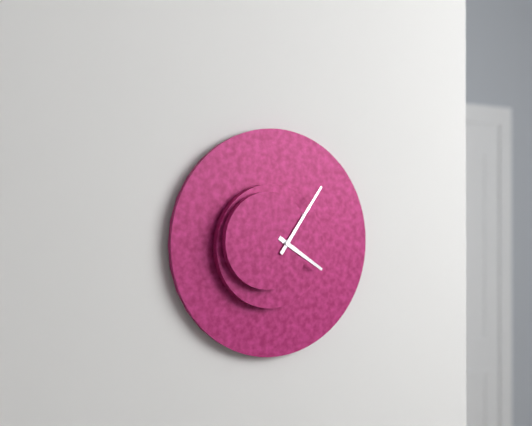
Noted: 4h06
